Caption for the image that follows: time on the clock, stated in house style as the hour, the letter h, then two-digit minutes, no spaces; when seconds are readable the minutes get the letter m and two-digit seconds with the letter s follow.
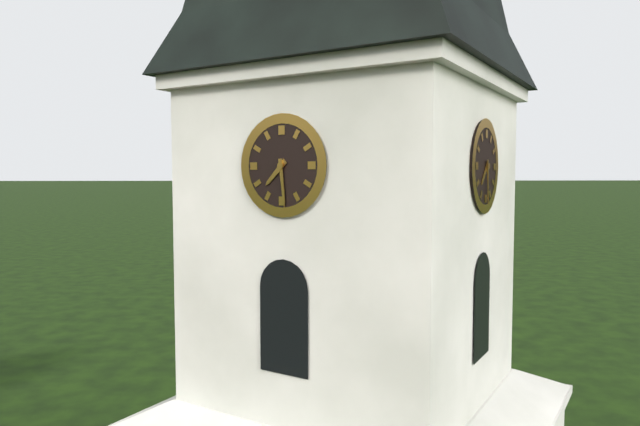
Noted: 7h29
